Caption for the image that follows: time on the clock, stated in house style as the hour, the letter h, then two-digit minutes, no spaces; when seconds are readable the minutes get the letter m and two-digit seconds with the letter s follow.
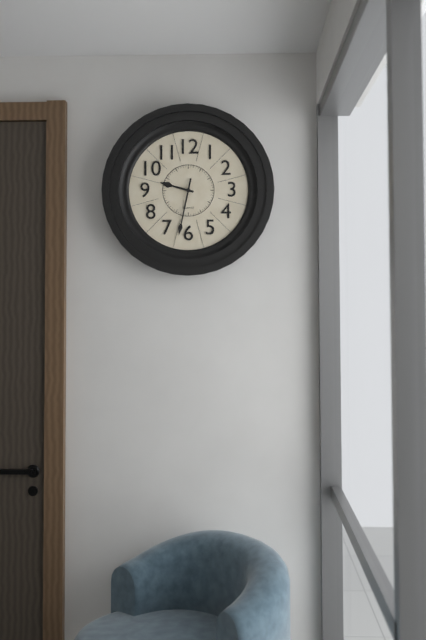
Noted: 9h32
